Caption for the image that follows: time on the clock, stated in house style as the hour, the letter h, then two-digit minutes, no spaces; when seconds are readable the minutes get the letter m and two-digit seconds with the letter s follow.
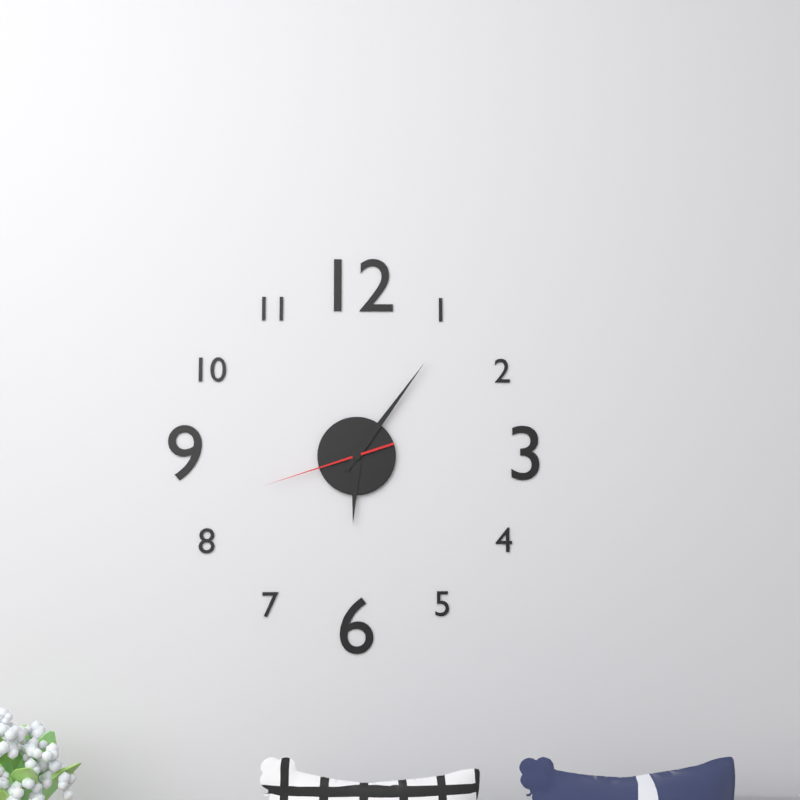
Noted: 6h06m42s
